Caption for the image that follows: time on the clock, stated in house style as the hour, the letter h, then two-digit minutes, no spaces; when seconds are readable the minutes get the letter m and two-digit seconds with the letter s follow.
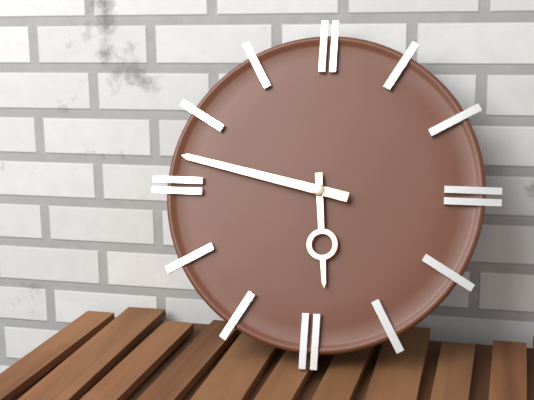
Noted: 5h47
